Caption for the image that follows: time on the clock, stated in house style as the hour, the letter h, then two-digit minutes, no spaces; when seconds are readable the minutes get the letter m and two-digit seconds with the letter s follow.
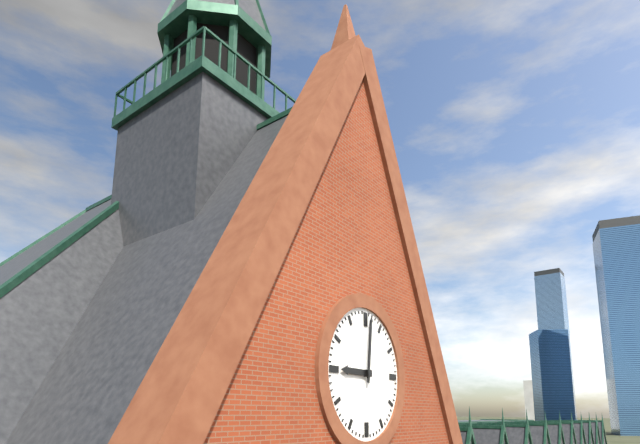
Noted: 9h01
